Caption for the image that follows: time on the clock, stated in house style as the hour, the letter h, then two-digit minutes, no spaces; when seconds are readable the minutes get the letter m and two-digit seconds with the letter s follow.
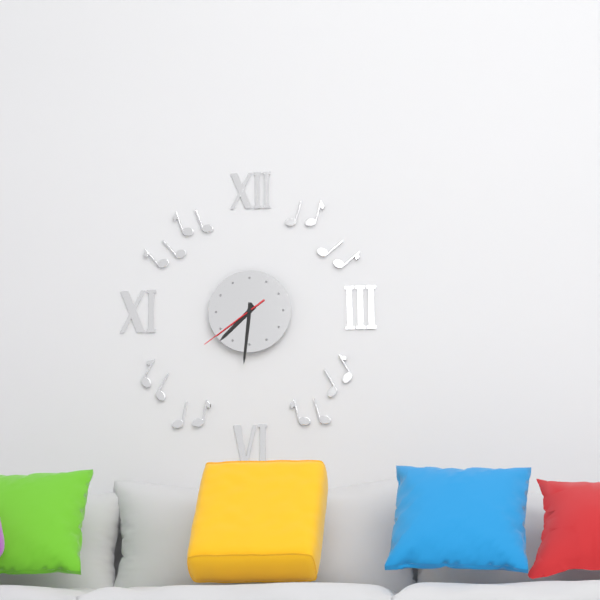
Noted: 7h31m39s
